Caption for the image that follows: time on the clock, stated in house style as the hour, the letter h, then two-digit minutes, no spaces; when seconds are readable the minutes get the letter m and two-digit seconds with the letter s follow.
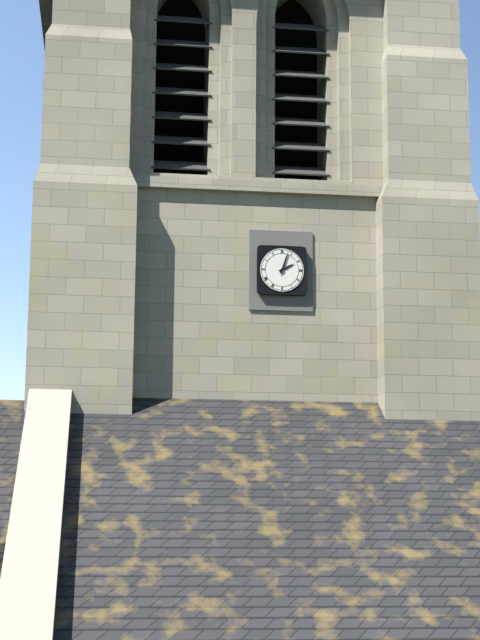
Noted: 2h03
